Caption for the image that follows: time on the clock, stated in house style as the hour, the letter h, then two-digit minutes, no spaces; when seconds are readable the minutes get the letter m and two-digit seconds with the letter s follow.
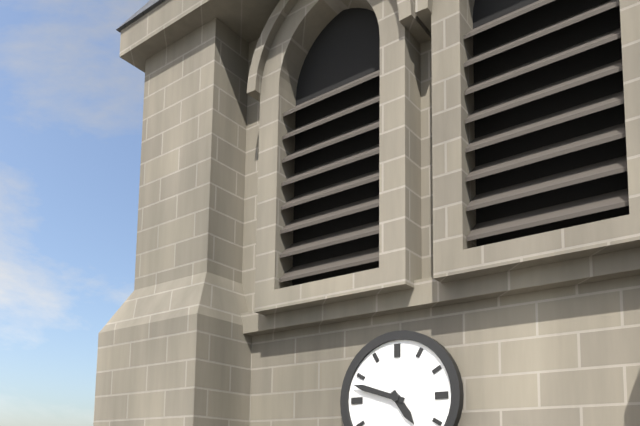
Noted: 4h48
